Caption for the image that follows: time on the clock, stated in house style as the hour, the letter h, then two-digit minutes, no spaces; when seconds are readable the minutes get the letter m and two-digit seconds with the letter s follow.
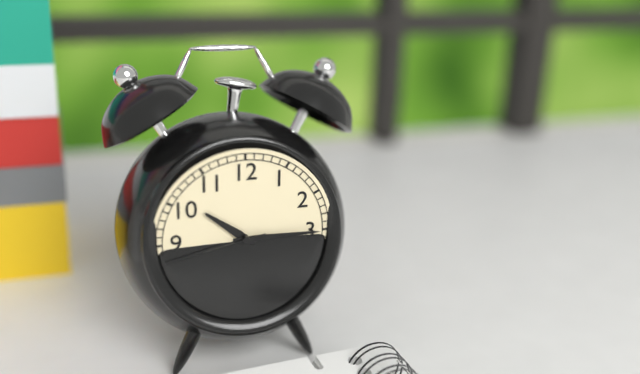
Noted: 10h15m43s
